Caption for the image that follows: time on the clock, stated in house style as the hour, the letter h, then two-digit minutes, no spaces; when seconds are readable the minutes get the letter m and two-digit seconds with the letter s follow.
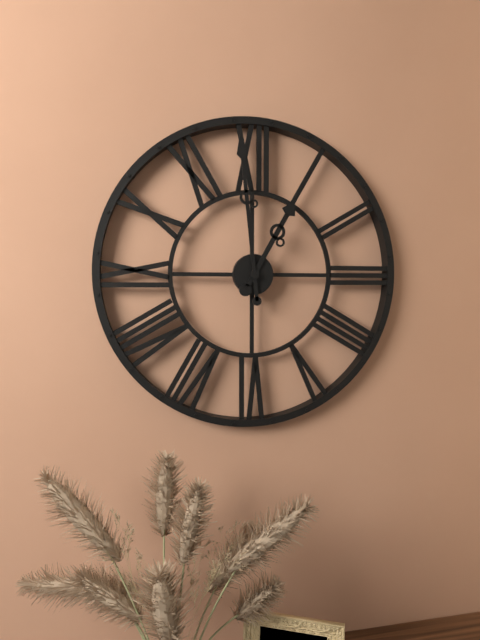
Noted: 12h59
